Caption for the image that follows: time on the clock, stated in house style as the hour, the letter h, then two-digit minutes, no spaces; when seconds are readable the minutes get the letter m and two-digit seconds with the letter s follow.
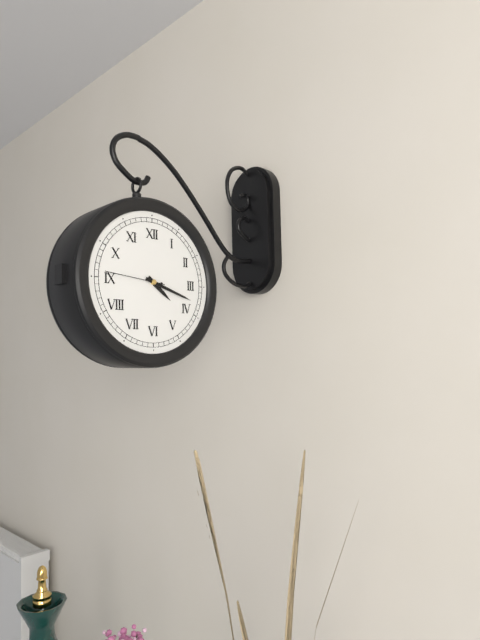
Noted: 4h18m46s
